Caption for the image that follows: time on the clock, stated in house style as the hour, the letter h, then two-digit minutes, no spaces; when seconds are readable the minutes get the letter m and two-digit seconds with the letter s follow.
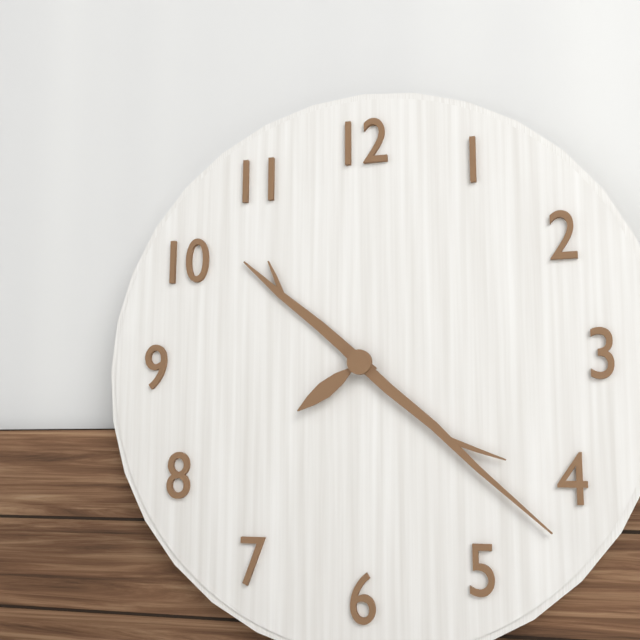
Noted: 10h22m39s
